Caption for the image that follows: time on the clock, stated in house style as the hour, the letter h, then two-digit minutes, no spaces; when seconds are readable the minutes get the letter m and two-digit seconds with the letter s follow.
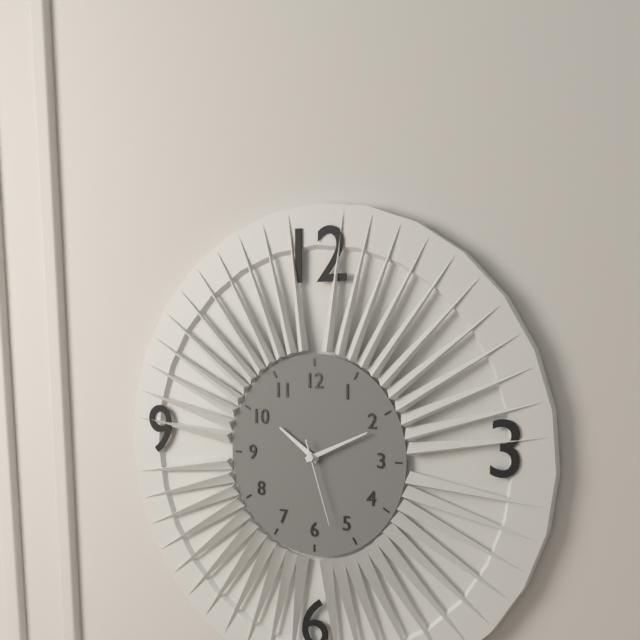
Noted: 10h11m27s
